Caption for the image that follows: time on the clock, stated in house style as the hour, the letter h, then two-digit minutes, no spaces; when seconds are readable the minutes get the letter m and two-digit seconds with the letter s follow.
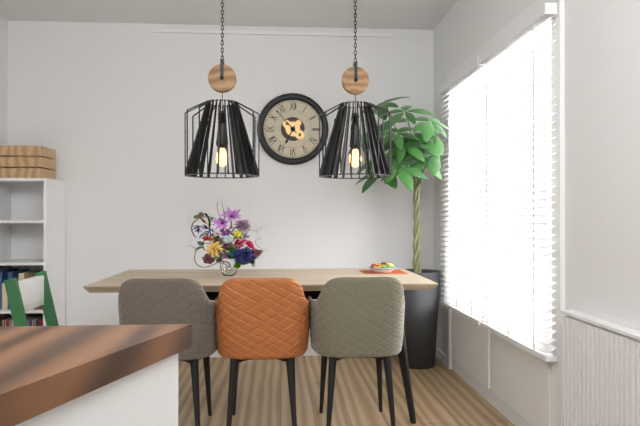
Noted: 6h53
